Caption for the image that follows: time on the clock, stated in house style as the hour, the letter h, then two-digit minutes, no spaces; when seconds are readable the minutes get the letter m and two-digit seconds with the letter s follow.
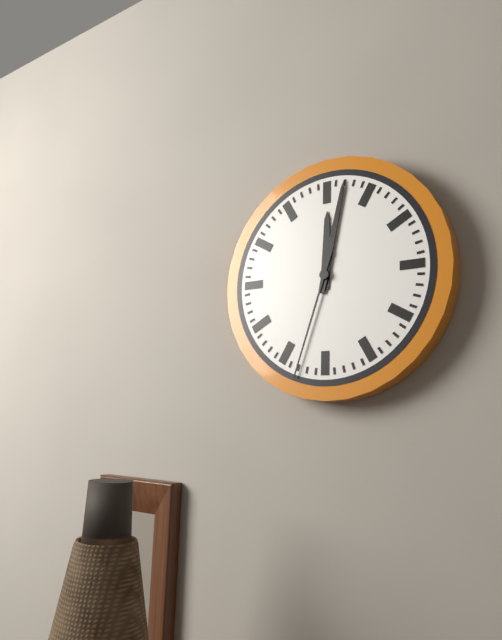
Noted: 12h02m33s
